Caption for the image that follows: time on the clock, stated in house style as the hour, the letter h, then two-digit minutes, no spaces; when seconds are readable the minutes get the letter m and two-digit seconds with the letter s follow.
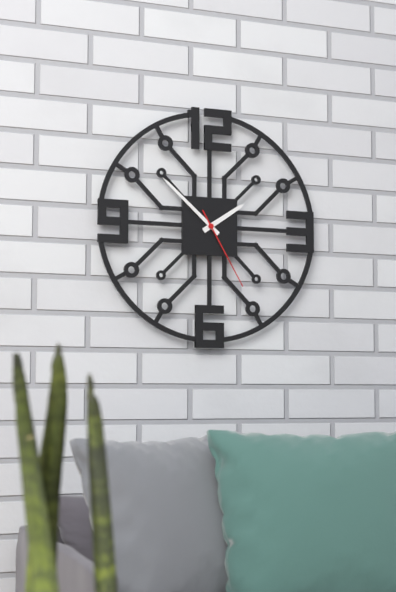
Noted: 1h52m25s
